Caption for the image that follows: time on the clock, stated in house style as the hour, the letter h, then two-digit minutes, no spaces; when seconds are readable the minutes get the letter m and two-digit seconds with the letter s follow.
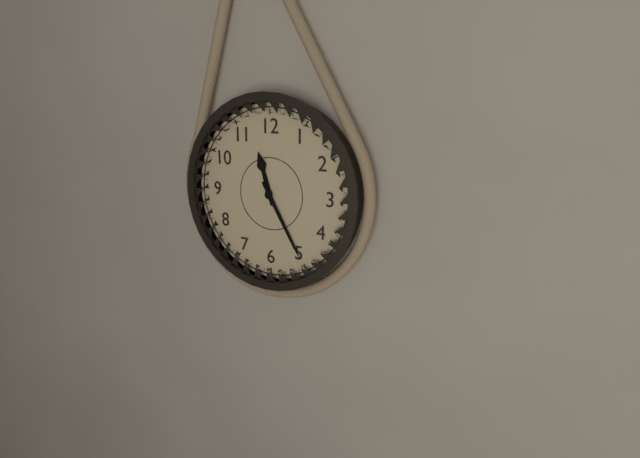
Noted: 11h25
